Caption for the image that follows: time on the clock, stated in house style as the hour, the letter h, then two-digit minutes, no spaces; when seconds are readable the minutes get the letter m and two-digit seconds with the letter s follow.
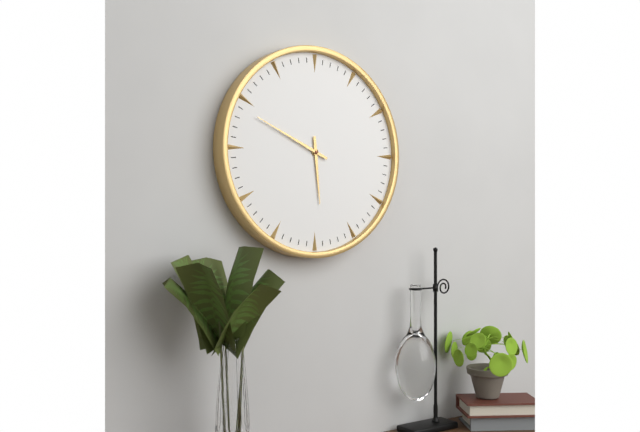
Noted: 5h49
